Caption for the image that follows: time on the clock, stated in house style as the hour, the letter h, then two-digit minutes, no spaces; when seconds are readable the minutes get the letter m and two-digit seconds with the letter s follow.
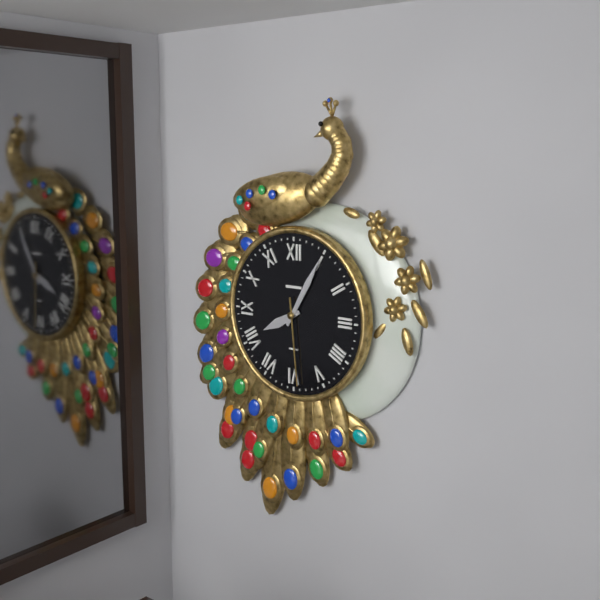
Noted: 8h05m29s
